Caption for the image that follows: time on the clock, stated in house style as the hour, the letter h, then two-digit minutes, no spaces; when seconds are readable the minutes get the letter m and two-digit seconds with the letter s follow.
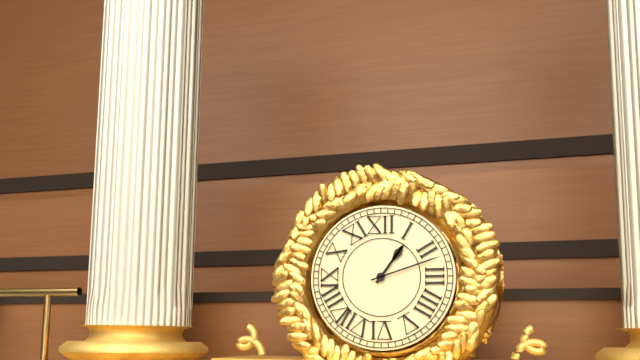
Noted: 1h12
